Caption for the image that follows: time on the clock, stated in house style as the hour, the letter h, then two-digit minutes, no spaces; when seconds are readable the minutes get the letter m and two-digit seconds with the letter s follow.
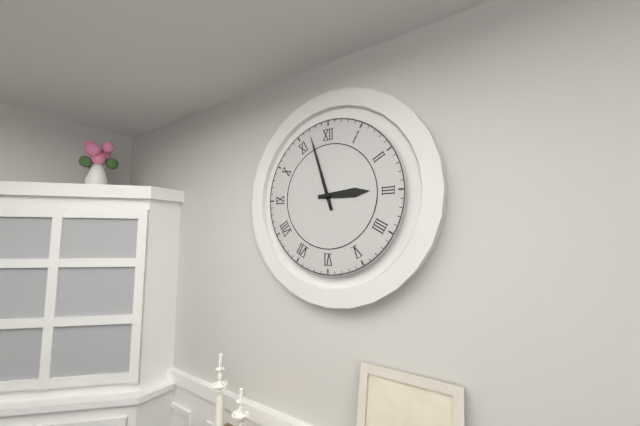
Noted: 2h57
